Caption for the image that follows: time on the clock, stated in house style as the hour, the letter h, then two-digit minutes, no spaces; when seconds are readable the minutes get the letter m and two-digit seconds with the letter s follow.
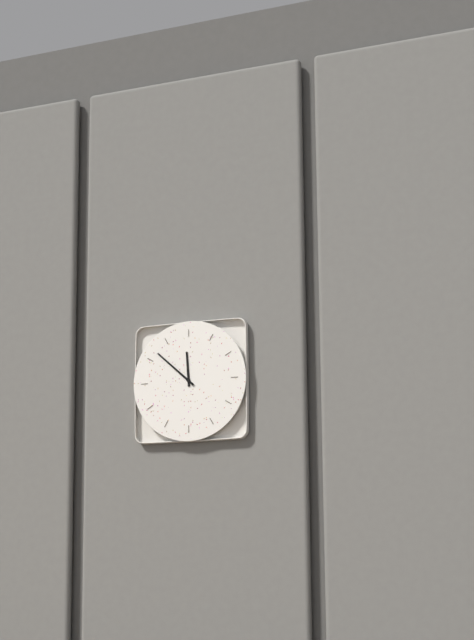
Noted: 11h52
